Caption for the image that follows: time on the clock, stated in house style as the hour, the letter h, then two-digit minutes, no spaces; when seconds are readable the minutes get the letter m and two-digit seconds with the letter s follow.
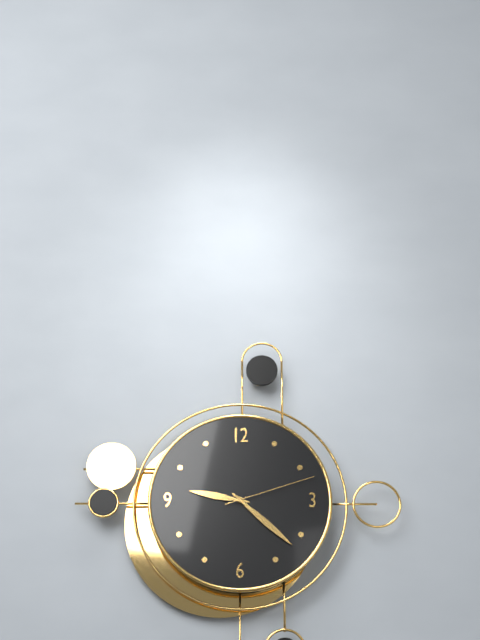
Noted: 9h22m12s
